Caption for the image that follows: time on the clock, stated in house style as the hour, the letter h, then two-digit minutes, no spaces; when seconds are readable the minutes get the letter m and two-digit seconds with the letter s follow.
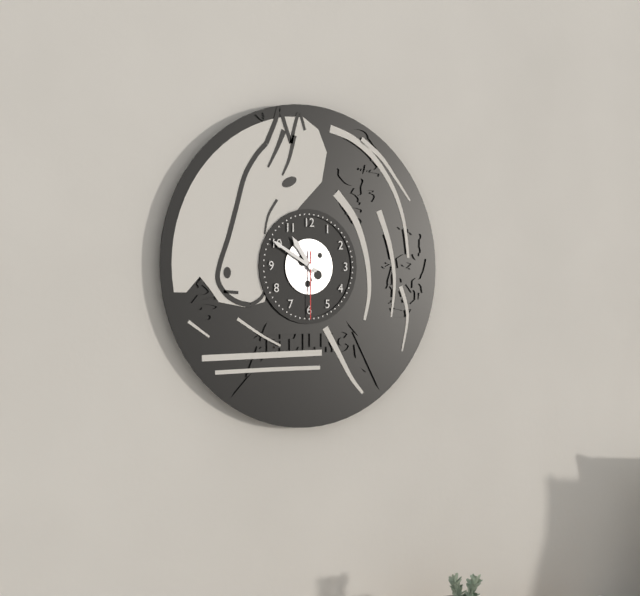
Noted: 10h50m30s
